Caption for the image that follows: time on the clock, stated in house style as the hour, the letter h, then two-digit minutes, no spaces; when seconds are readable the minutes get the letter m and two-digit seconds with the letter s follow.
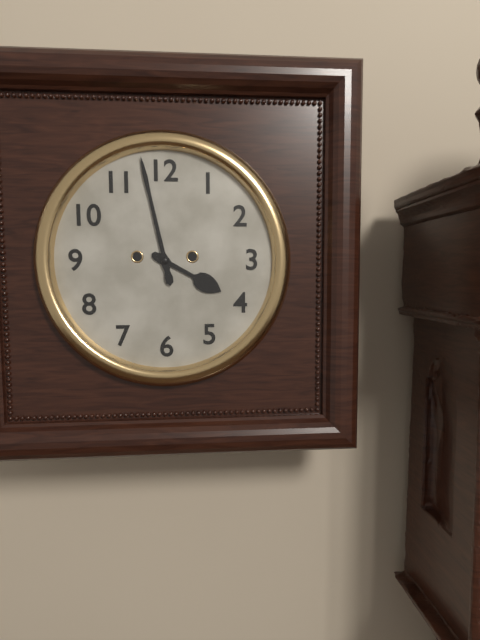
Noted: 3h58
